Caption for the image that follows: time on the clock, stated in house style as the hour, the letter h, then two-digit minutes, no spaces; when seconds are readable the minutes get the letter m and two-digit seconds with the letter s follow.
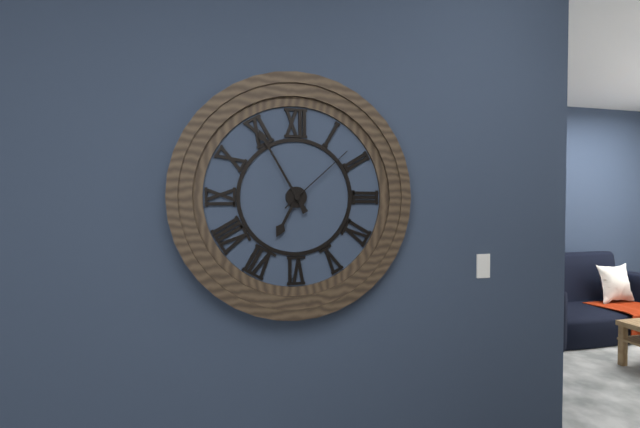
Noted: 6h55m08s
